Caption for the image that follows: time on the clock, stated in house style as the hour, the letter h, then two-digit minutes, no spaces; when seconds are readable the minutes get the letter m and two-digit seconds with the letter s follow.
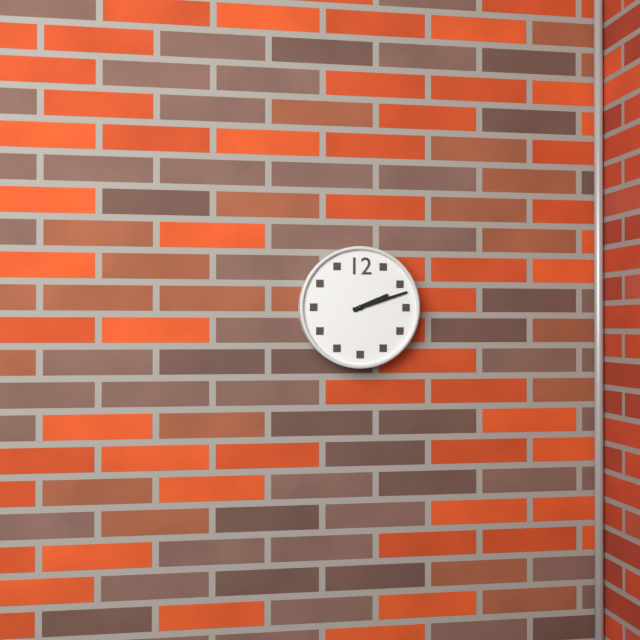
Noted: 2h12
